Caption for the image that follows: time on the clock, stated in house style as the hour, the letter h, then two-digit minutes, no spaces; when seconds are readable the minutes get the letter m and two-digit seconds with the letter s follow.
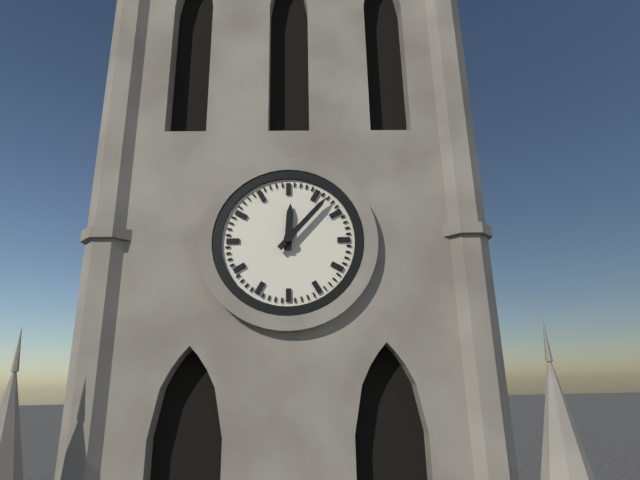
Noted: 12h07
